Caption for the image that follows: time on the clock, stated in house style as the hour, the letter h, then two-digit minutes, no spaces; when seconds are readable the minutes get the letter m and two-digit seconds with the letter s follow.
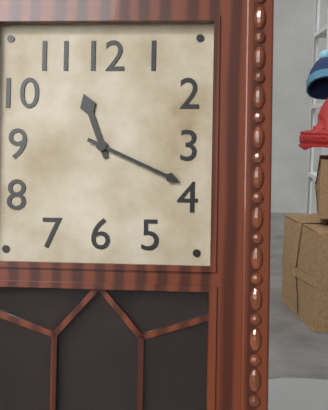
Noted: 11h19
